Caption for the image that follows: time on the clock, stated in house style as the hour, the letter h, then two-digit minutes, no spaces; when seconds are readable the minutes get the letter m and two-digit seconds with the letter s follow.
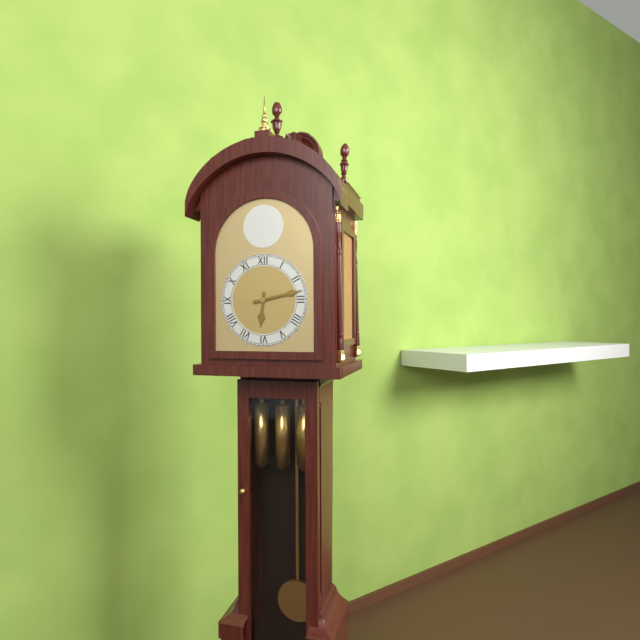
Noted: 6h13
